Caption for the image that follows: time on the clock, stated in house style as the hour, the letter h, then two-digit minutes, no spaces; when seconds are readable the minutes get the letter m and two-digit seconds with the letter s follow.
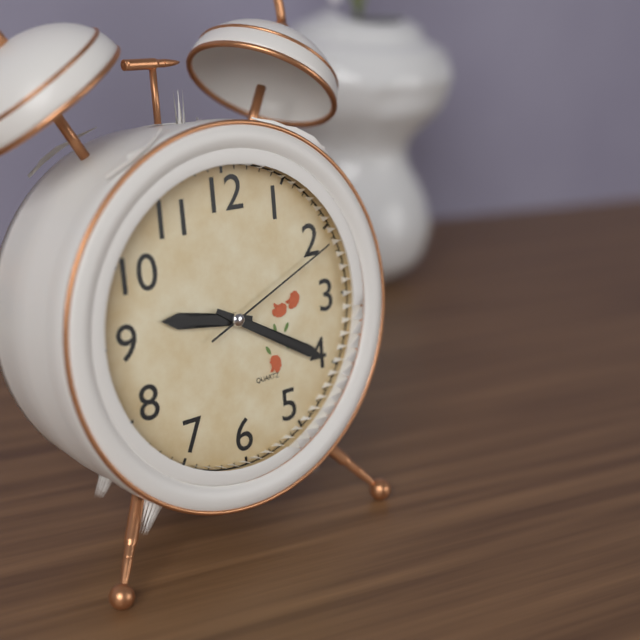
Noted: 9h20m11s
